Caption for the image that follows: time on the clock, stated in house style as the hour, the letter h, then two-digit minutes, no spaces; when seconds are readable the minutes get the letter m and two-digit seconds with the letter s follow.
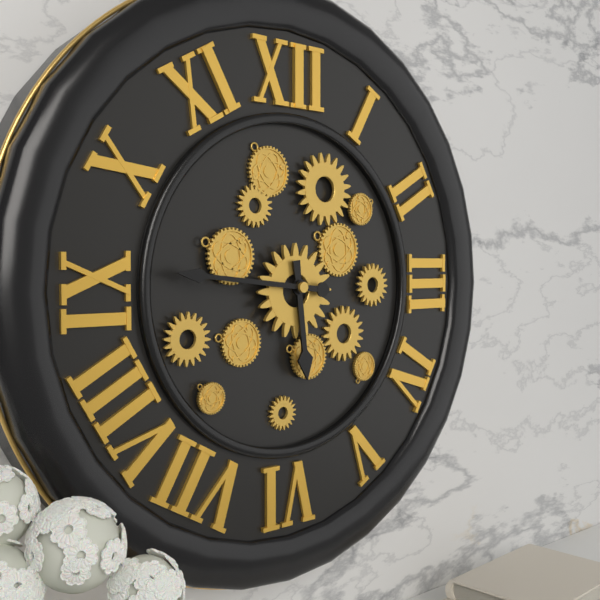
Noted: 5h46
